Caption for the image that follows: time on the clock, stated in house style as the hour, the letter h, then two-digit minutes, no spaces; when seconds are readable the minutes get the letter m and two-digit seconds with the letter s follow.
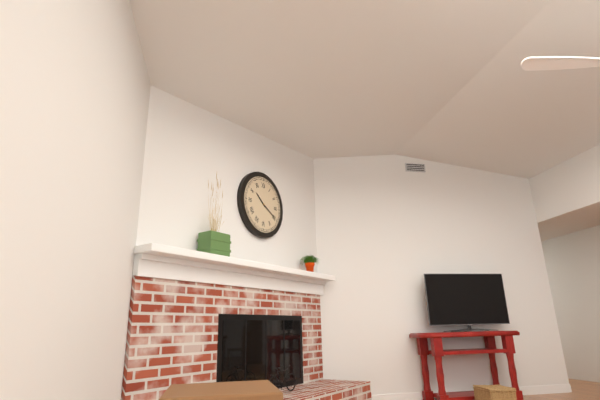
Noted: 10h20
